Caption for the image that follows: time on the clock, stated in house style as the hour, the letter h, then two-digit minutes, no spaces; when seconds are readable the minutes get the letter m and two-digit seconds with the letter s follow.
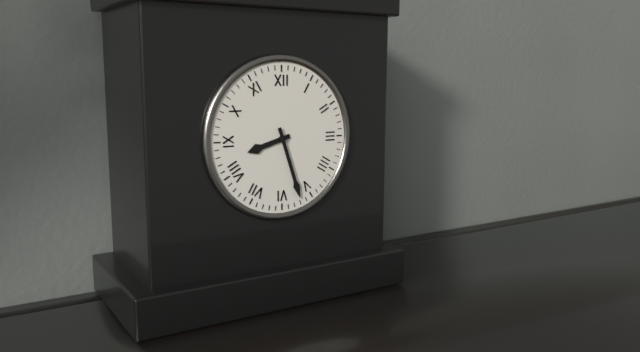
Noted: 8h27
